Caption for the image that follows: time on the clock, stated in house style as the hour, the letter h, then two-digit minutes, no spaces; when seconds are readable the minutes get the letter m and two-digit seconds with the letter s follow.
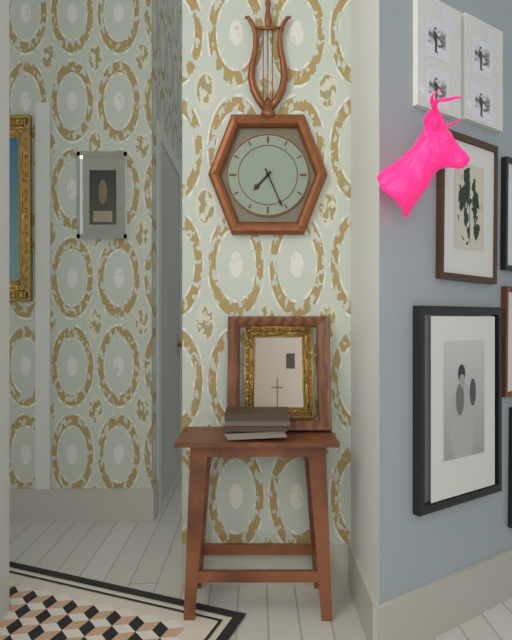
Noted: 7h26
